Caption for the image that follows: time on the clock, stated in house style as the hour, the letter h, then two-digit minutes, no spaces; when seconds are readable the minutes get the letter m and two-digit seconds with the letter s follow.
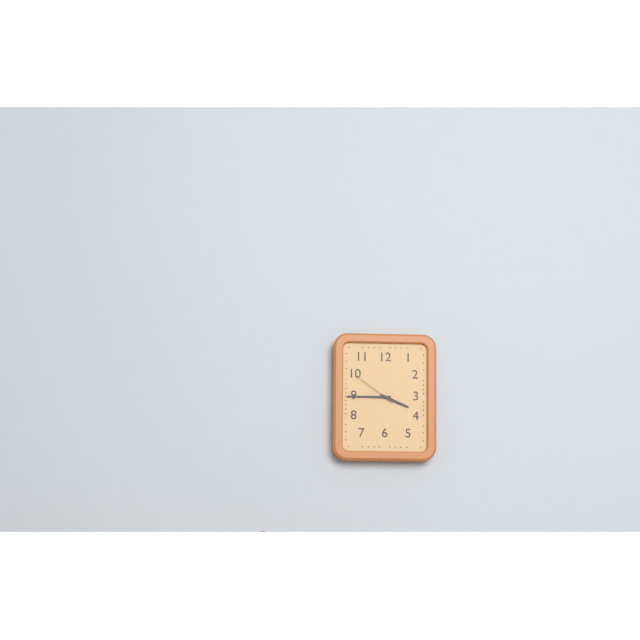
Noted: 3h45
